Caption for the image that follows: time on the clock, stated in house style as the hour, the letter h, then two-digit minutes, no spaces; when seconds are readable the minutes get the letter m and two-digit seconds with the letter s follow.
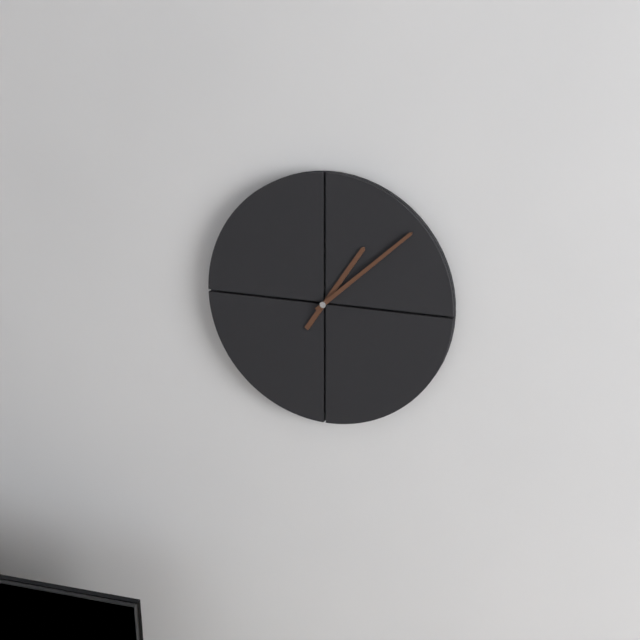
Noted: 1h08
